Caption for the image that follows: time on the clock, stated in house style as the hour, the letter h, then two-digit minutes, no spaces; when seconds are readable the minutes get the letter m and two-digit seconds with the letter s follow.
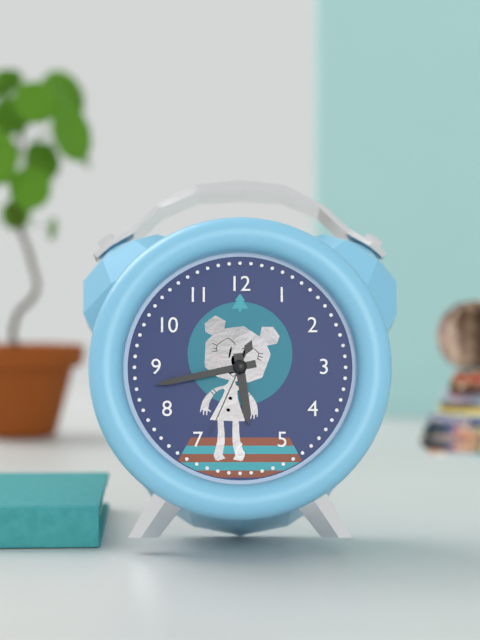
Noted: 5h43m34s
